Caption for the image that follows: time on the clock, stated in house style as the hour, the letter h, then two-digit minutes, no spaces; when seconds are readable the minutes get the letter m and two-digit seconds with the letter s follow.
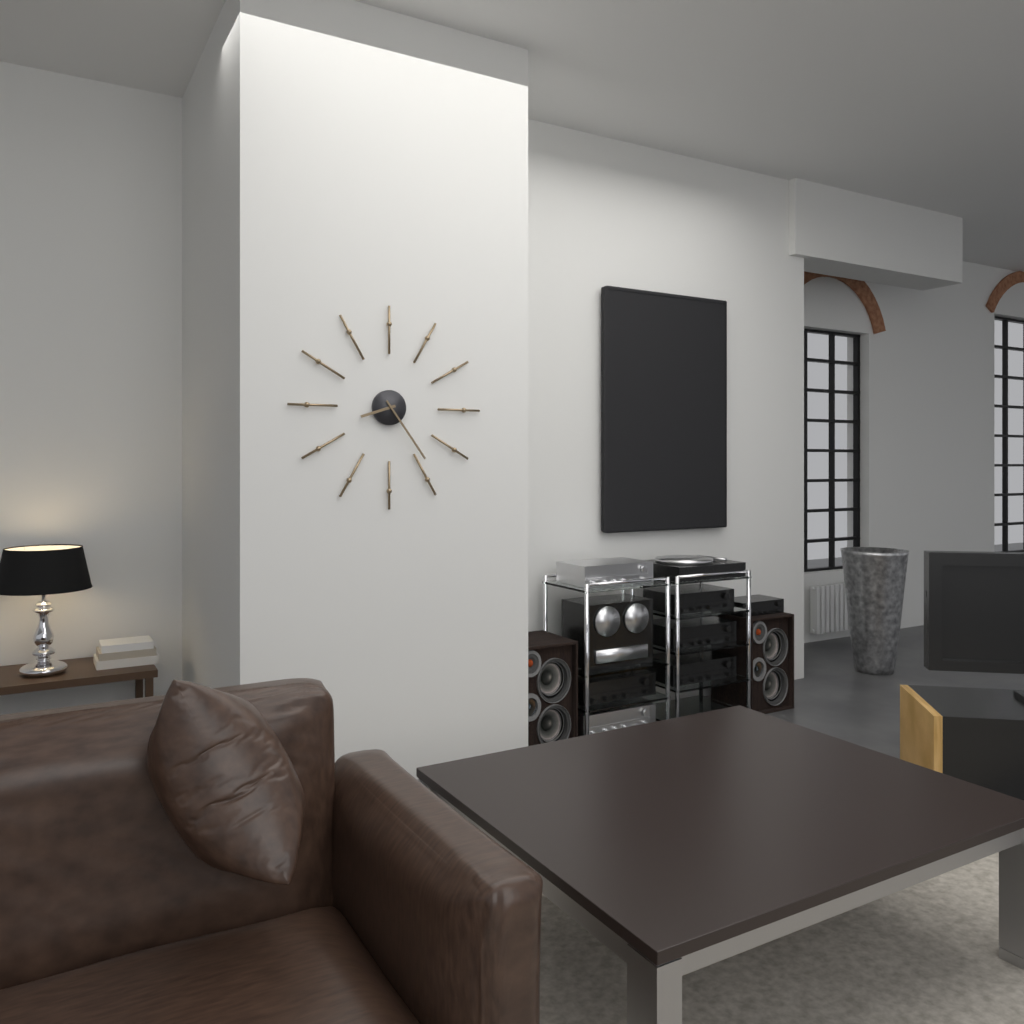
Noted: 8h24
